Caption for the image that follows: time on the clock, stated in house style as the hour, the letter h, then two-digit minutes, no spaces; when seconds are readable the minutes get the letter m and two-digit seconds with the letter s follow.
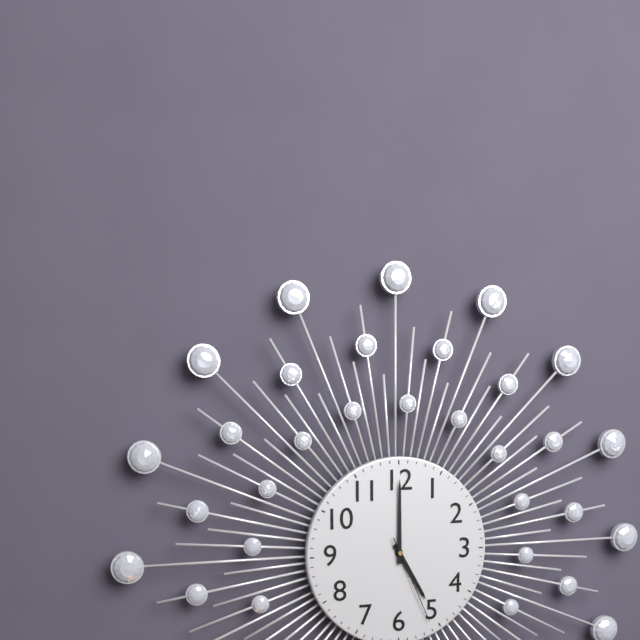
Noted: 5h00m26s
